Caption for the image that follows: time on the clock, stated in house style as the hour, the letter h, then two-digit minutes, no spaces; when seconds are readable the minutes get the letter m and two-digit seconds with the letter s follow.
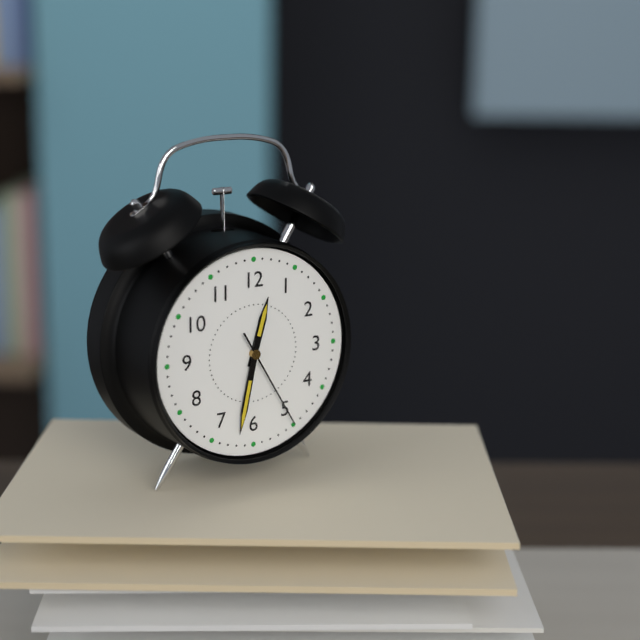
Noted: 12h32m25s
